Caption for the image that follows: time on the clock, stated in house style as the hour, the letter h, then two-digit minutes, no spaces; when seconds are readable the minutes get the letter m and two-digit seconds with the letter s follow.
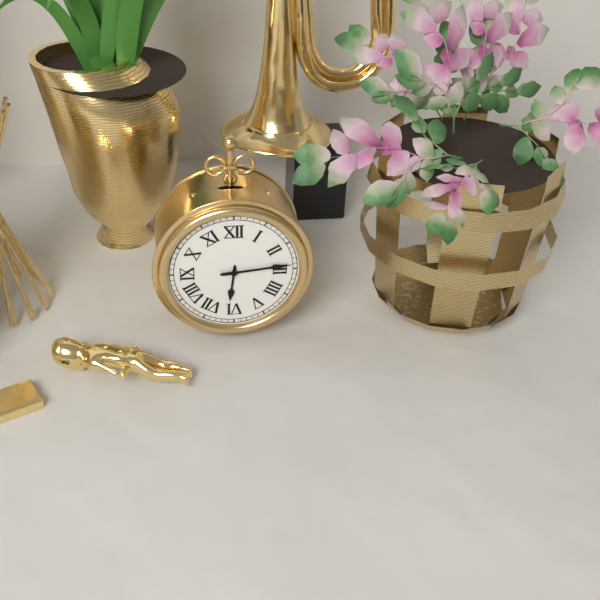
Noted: 6h14
